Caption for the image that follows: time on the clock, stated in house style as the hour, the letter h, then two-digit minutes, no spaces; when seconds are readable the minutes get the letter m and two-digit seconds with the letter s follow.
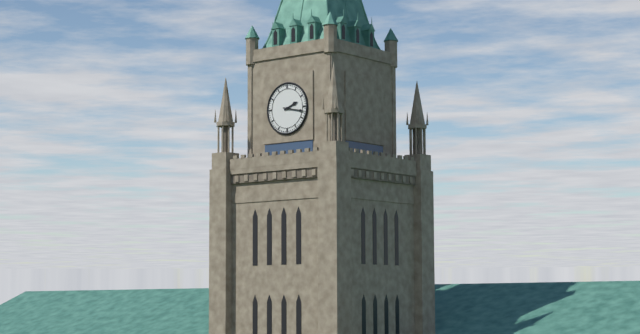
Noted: 2h17
